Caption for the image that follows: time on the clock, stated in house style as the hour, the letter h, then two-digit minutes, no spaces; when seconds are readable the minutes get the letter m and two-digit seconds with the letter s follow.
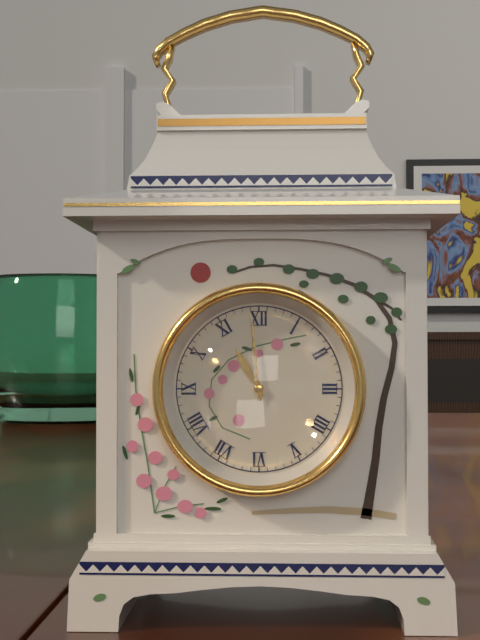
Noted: 10h59
